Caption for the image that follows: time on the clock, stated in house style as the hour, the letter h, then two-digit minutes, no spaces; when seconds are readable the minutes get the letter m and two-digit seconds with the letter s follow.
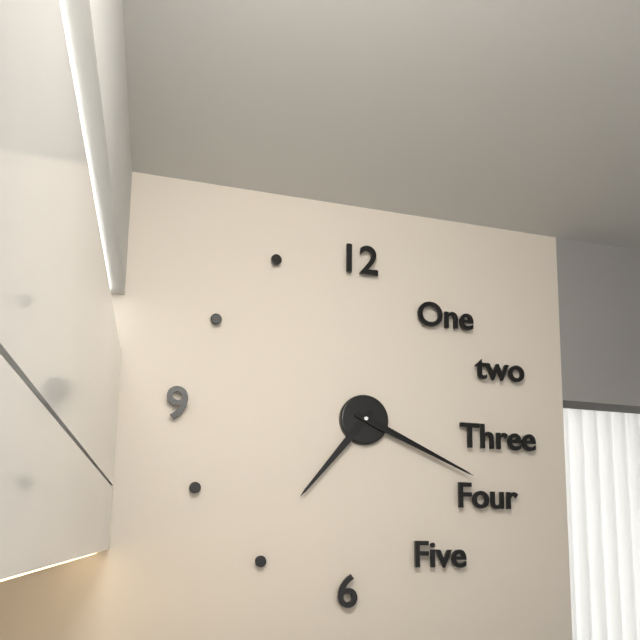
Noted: 7h19
